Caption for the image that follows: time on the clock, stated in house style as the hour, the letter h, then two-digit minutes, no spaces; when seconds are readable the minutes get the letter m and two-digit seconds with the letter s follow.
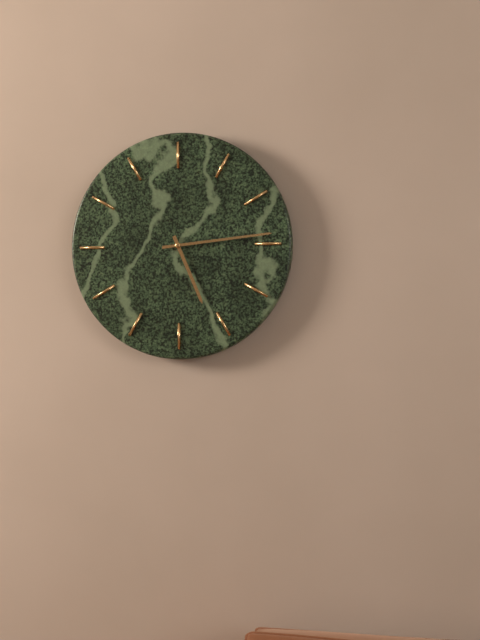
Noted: 5h14
